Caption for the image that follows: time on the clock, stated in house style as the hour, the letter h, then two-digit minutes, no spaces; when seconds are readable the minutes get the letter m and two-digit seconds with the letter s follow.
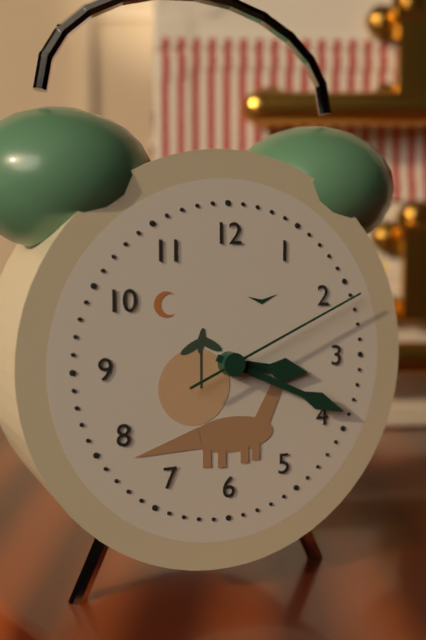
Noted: 3h19m11s
